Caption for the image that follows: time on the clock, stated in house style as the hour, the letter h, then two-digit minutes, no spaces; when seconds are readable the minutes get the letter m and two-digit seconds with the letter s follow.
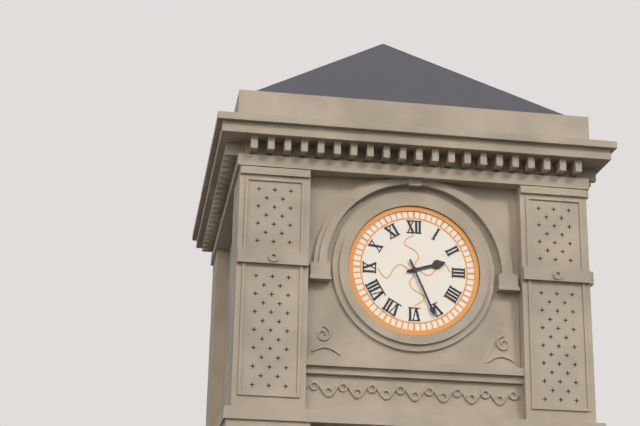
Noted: 2h26
